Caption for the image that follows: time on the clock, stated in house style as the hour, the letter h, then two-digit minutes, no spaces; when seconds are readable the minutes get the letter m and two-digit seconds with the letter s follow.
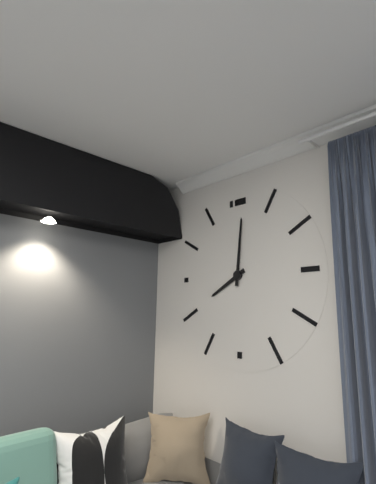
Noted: 8h01
